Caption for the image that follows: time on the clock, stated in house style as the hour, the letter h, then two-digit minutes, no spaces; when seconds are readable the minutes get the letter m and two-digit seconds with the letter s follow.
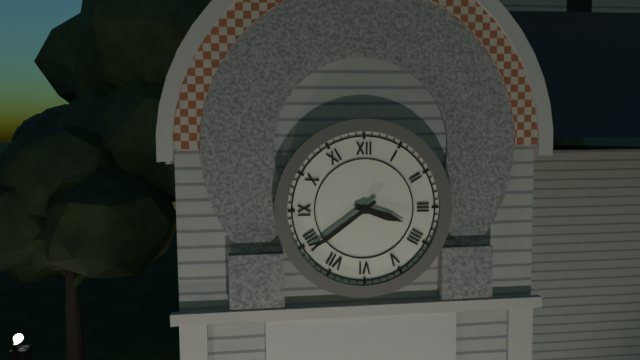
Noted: 3h39
